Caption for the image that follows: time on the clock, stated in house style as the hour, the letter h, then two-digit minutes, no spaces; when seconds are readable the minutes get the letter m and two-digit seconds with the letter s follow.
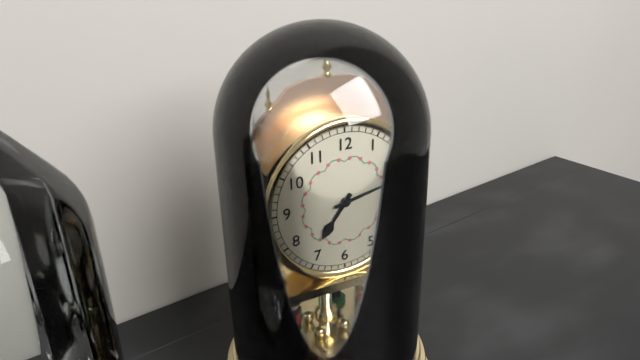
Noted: 7h13
